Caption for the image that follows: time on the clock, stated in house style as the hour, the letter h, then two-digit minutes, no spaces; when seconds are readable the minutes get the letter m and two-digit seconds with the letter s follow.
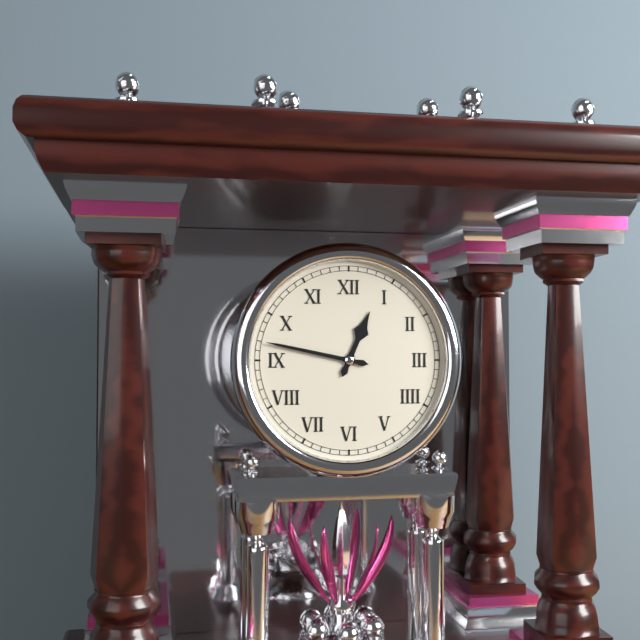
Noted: 12h47
